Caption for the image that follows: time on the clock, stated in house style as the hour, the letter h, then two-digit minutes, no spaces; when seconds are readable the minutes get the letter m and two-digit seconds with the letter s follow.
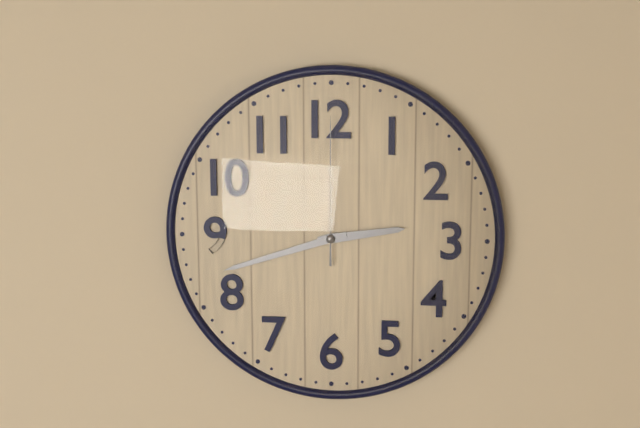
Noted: 2h42m00s
